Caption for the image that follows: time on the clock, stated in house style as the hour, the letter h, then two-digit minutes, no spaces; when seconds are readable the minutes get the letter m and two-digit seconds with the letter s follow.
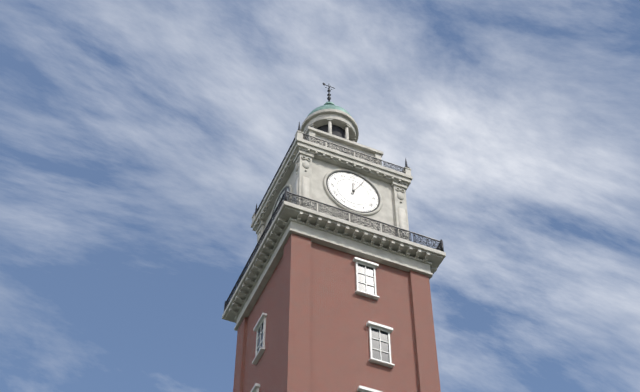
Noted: 12h05
